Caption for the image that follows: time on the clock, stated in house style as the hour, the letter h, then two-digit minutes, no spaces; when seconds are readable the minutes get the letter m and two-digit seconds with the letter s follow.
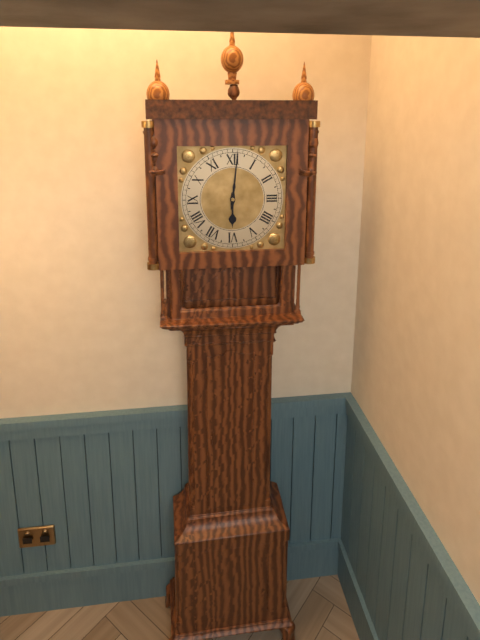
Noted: 6h01
